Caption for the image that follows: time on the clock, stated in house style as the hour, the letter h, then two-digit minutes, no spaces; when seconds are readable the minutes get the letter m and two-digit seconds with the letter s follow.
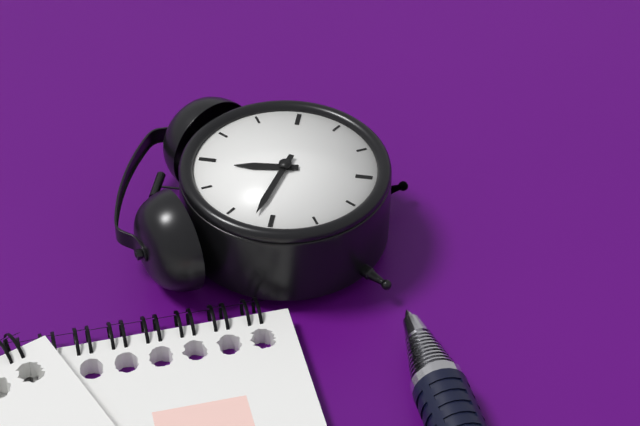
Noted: 11h47
